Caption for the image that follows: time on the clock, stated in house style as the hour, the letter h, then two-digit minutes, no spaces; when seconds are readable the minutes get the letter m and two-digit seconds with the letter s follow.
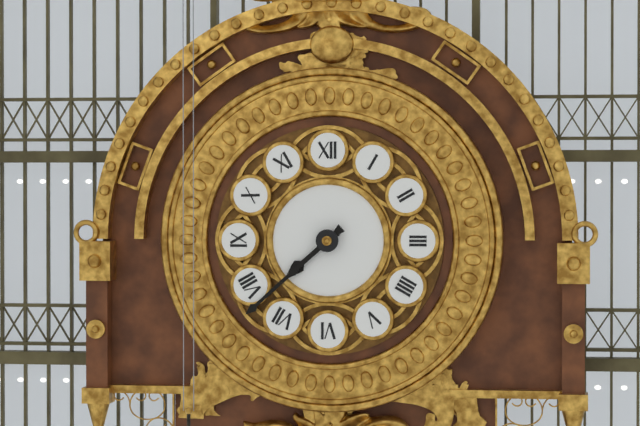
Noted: 7h38
